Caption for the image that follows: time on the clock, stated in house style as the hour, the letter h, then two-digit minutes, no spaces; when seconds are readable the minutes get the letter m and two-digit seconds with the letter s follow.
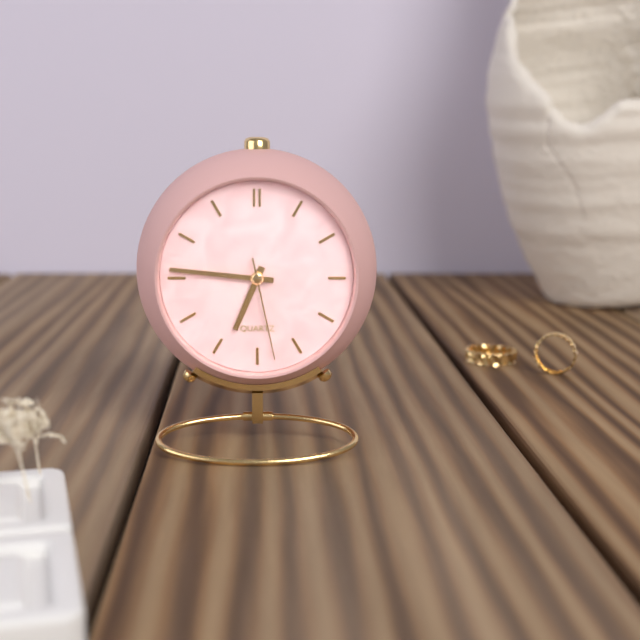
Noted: 6h46m28s
